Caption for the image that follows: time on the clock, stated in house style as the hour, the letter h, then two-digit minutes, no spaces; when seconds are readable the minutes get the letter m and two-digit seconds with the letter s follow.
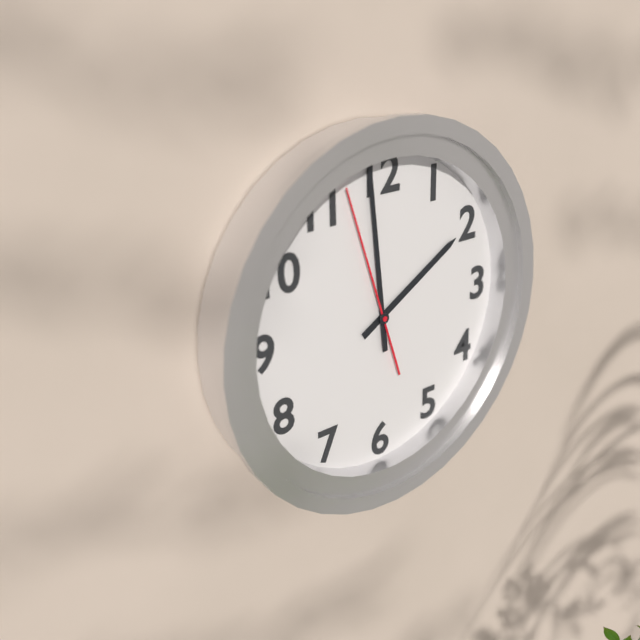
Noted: 1h59m57s
